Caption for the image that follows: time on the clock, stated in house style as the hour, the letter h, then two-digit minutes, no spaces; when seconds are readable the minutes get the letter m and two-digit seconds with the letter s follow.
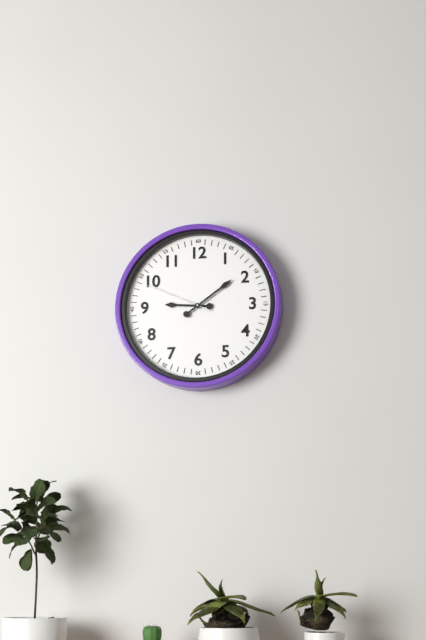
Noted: 9h09m49s
